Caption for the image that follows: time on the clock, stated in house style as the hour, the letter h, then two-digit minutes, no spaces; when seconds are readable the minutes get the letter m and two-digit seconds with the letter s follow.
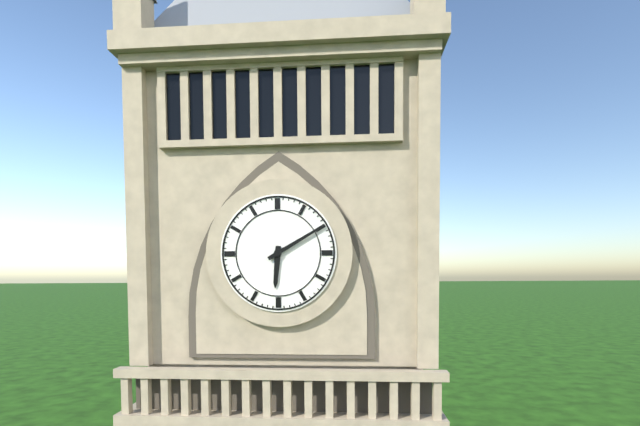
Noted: 6h10
